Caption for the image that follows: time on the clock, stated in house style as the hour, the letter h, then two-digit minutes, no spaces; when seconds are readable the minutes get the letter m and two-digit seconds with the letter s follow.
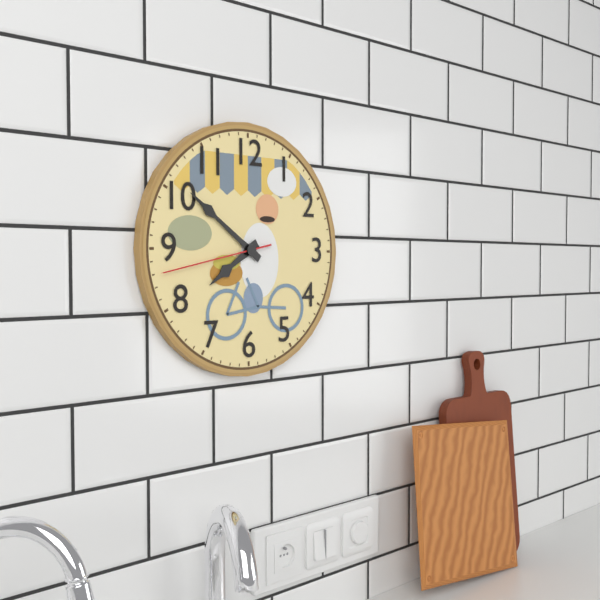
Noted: 7h51m43s
